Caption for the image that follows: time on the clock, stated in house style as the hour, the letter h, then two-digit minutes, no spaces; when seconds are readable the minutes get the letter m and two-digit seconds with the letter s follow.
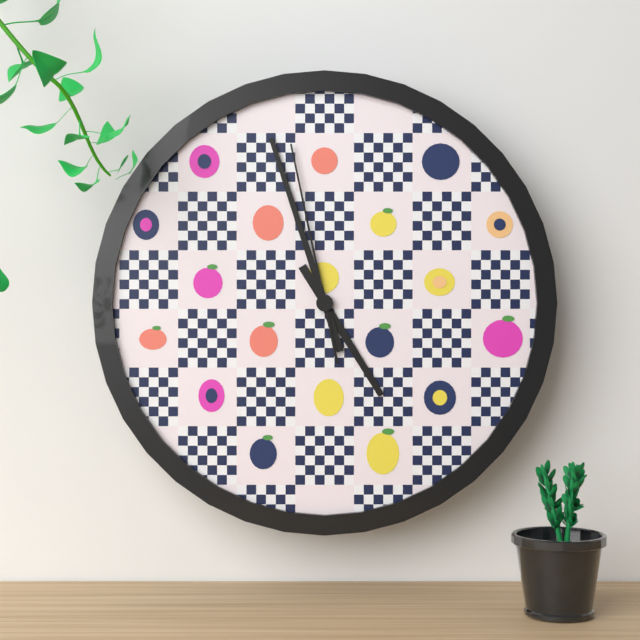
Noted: 4h57m58s
